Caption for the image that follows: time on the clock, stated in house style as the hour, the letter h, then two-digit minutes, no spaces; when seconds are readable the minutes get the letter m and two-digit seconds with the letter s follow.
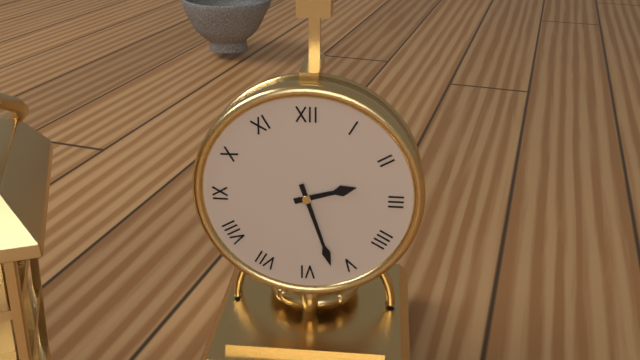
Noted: 2h27
